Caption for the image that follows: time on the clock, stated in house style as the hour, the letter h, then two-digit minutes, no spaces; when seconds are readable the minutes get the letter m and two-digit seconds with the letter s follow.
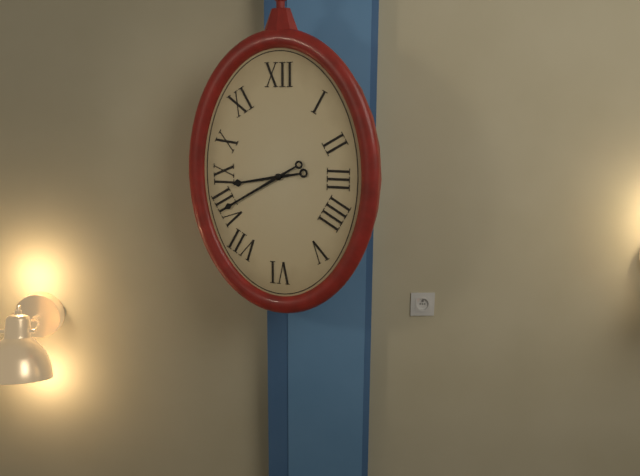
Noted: 8h40
